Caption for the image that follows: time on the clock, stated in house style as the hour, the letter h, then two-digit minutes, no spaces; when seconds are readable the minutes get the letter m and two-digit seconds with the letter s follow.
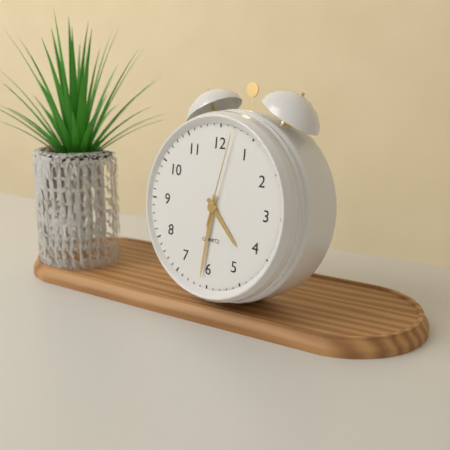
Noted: 4h31m02s
